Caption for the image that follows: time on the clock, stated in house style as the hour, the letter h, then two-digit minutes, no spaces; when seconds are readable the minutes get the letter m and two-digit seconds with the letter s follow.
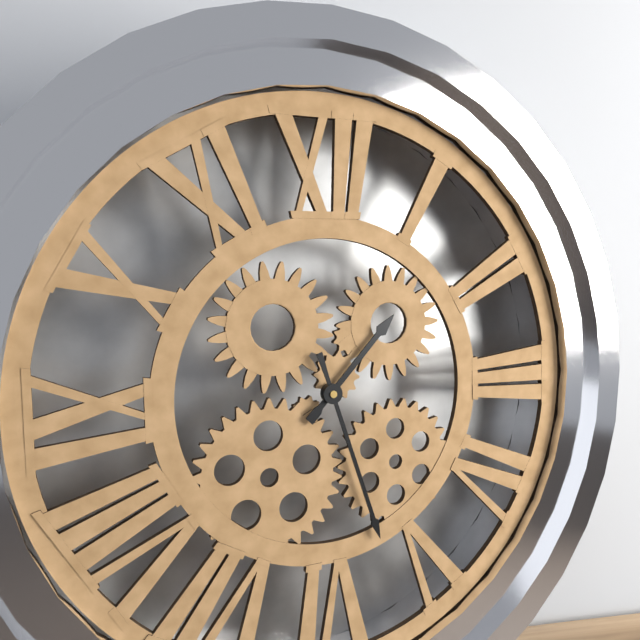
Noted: 1h27
